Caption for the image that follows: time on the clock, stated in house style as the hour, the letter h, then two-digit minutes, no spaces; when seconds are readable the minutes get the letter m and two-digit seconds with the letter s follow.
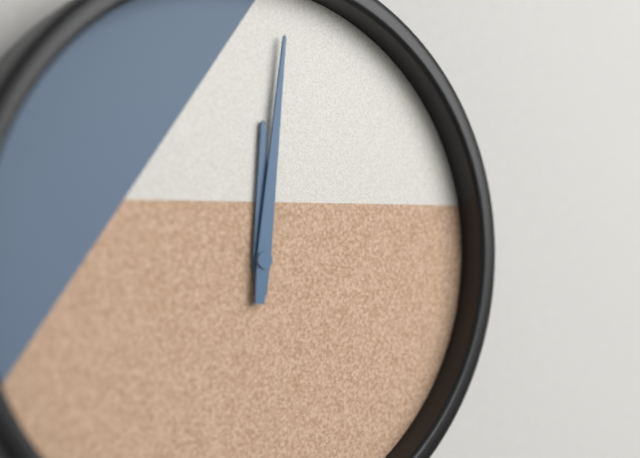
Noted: 12h01
